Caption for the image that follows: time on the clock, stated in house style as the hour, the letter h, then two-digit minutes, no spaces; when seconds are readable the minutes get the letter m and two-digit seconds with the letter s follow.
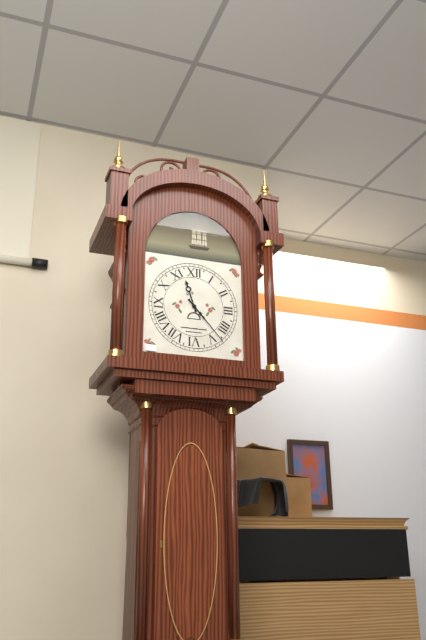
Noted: 11h23
